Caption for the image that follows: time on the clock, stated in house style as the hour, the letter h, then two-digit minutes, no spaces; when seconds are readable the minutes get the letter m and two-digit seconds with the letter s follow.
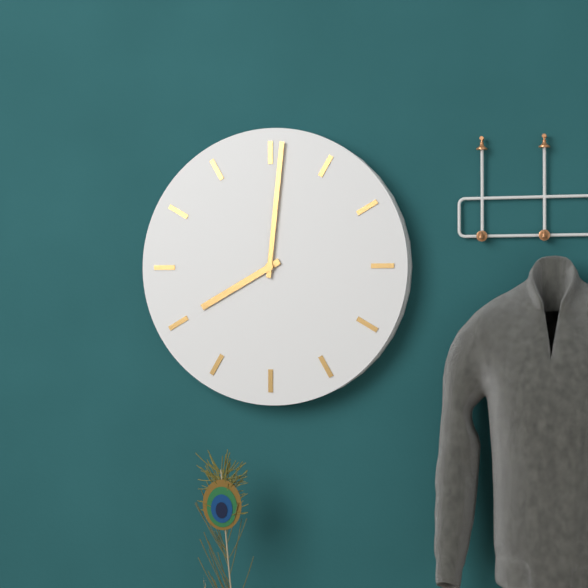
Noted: 8h01
